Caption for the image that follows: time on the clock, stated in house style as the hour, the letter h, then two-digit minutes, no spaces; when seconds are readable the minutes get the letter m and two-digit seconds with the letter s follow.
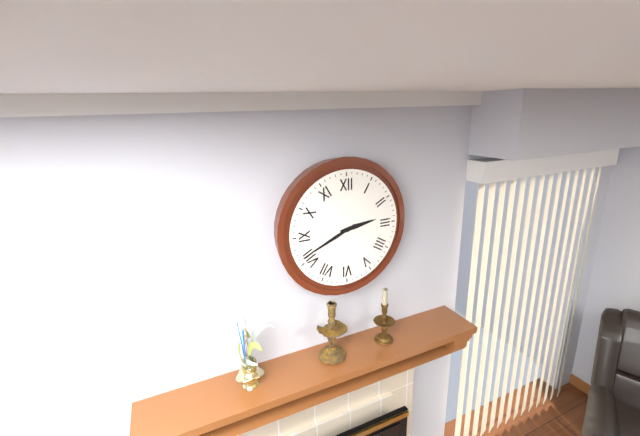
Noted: 2h41
